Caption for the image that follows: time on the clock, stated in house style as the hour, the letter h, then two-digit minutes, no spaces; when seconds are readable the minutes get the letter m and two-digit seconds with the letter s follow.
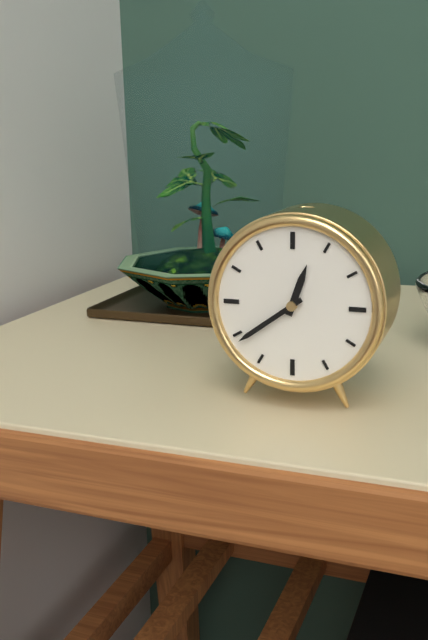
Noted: 12h39
